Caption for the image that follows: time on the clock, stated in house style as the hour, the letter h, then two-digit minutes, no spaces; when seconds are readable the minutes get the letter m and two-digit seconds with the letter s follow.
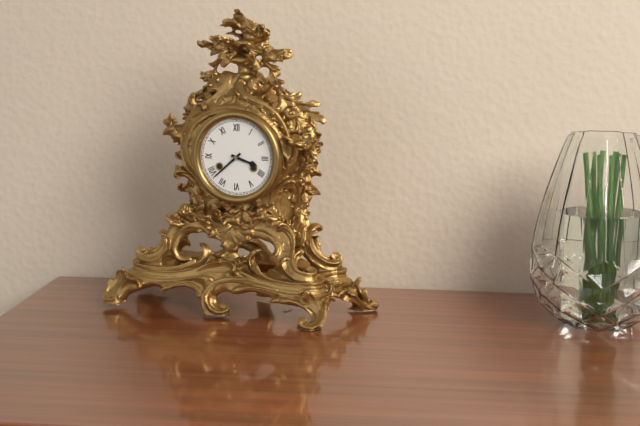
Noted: 3h38
